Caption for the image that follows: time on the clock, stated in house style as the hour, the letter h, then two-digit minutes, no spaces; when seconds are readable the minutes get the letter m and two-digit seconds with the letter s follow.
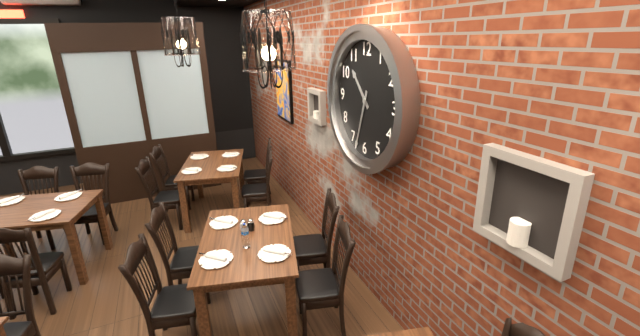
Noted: 10h33
